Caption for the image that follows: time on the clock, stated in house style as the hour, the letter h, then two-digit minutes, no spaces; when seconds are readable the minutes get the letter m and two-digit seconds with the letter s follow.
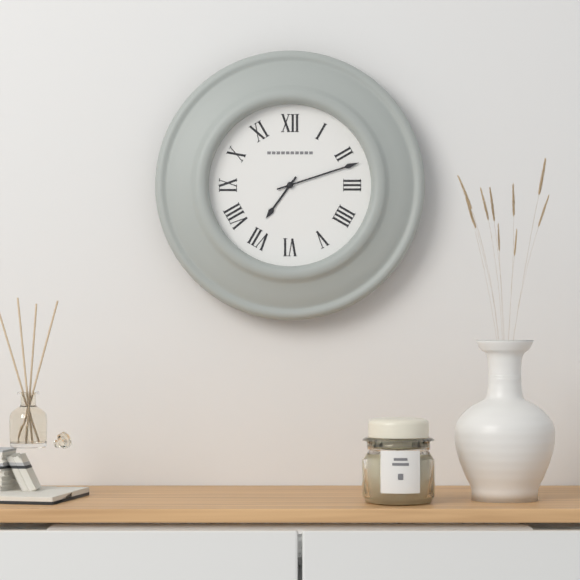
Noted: 7h12
